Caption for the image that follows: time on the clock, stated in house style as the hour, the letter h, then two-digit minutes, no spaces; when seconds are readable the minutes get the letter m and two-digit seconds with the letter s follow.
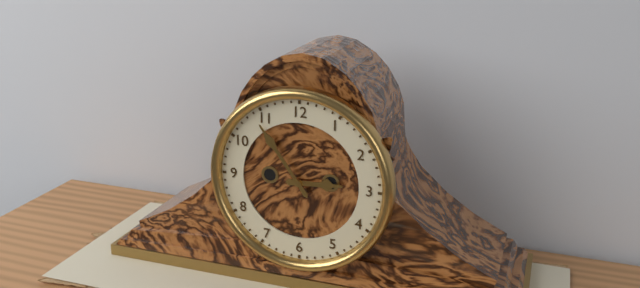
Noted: 2h54
